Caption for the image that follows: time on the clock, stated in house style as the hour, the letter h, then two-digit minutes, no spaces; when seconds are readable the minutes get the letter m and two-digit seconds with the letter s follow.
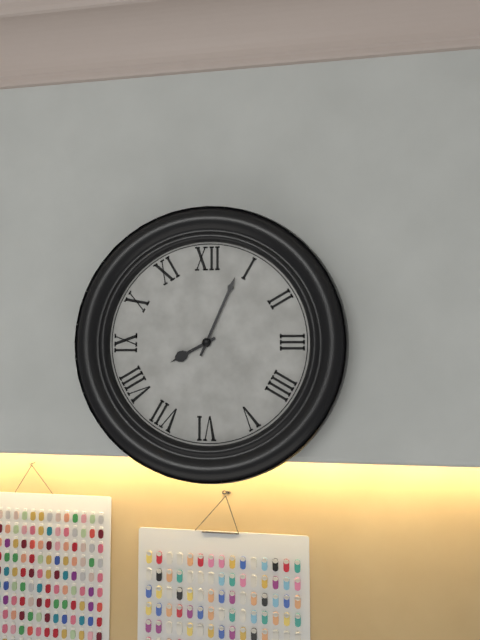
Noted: 8h04
